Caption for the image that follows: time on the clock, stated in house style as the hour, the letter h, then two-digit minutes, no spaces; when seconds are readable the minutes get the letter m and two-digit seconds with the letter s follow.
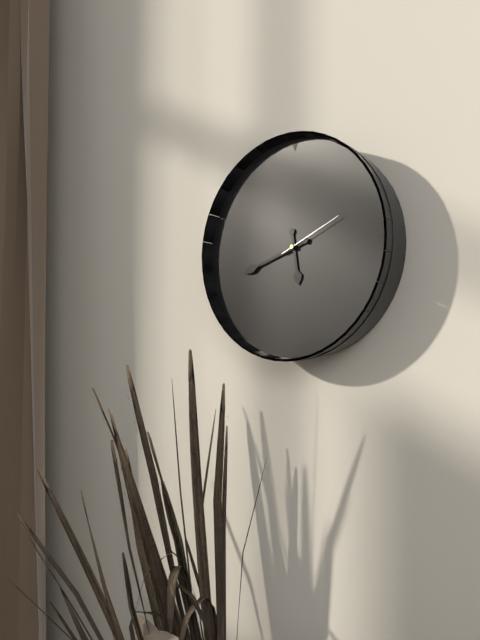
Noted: 5h42m11s
